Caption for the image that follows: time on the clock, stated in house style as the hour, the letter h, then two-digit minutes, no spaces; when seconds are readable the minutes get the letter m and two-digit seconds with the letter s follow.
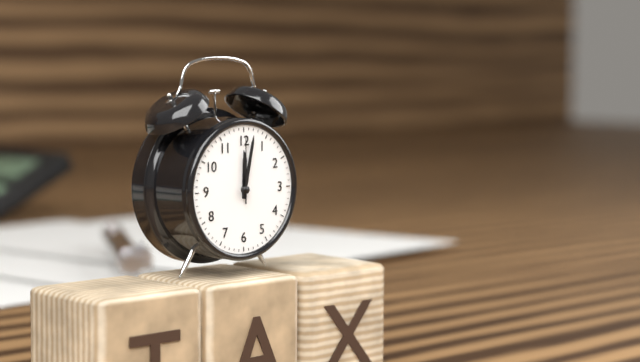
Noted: 12h02m00s
